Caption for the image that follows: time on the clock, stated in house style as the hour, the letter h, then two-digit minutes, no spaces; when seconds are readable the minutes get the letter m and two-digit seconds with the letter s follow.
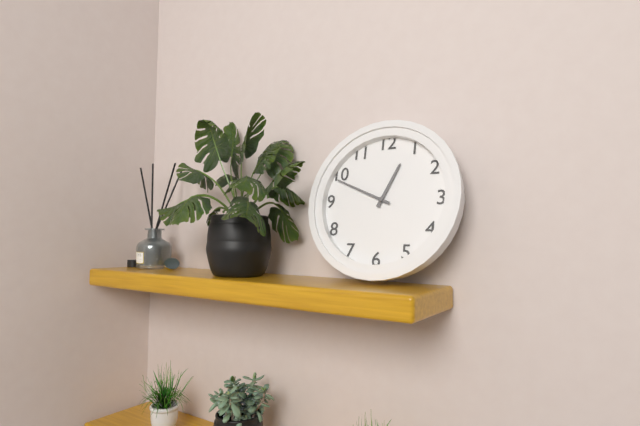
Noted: 12h49
